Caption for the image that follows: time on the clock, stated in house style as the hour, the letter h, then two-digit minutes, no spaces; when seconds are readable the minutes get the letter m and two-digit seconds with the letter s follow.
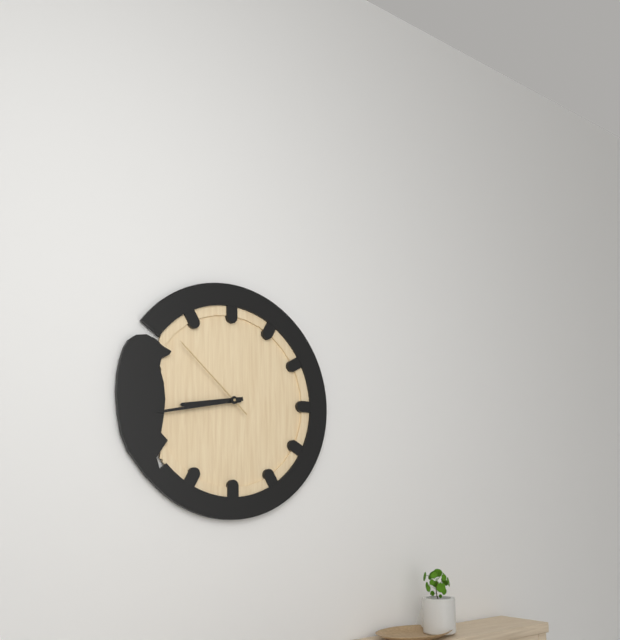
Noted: 8h43m52s
